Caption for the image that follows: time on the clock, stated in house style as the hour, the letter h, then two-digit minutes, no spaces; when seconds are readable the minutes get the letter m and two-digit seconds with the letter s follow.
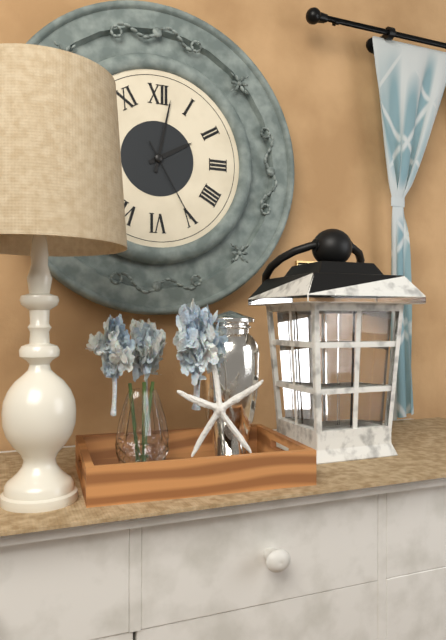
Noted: 2h02m25s
